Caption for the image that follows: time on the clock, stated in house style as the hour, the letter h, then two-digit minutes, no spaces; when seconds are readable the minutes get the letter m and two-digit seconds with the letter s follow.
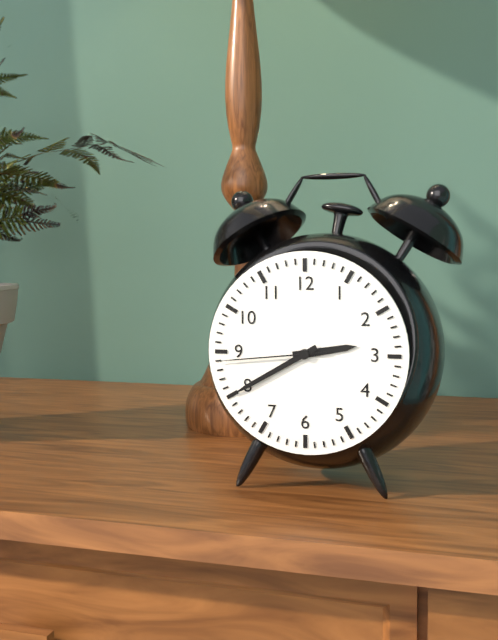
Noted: 2h40m44s
